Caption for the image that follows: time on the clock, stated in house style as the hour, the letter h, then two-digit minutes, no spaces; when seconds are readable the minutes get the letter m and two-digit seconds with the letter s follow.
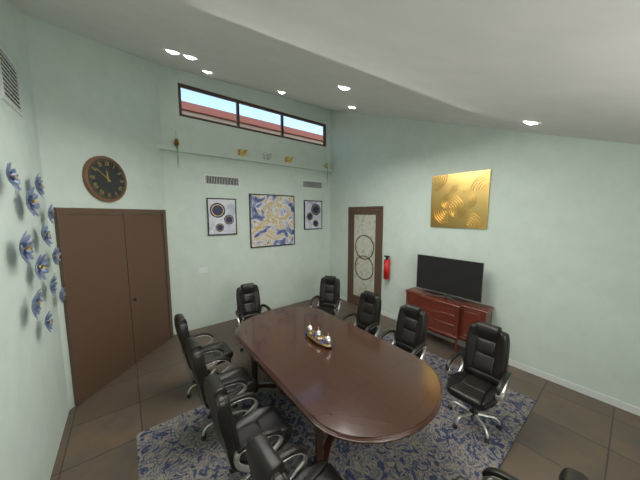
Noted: 11h51
